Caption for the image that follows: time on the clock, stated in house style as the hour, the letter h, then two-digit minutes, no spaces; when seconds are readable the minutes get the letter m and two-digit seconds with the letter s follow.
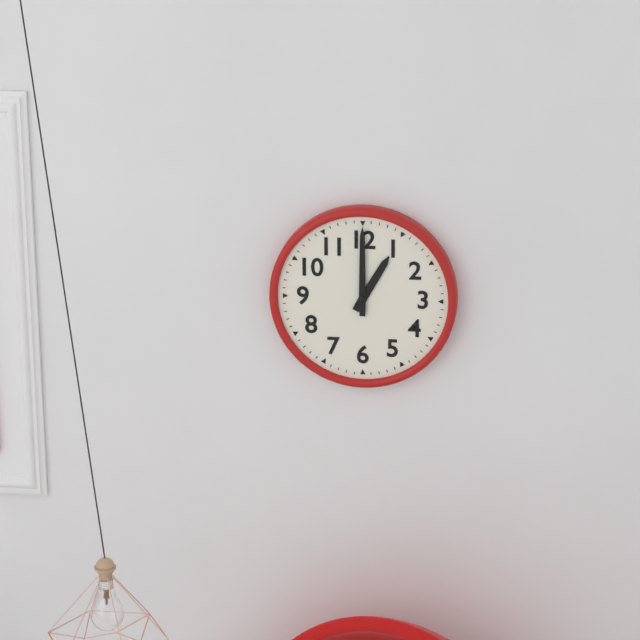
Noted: 1h00
